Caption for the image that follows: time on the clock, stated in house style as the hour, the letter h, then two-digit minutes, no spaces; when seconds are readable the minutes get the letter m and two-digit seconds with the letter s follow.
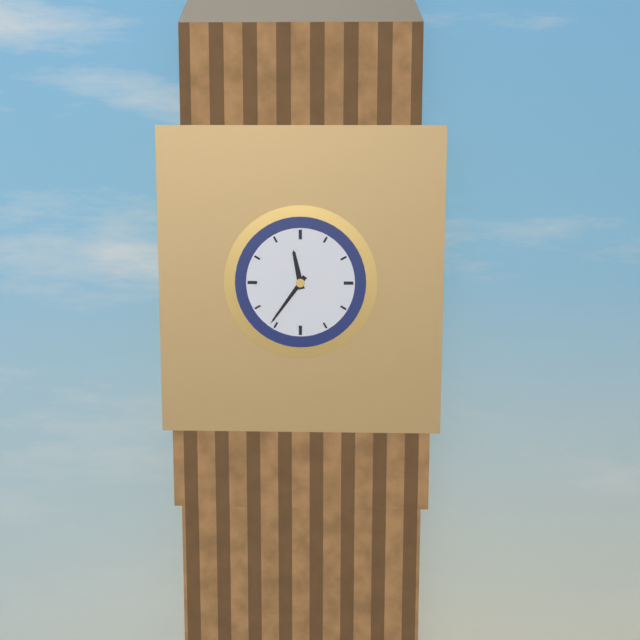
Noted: 11h36
